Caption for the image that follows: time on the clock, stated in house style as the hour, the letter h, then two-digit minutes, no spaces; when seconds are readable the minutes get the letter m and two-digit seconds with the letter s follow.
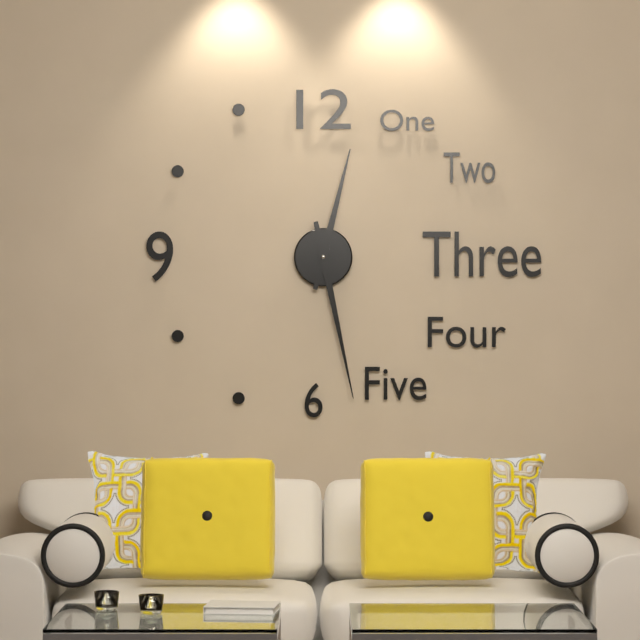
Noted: 12h28
